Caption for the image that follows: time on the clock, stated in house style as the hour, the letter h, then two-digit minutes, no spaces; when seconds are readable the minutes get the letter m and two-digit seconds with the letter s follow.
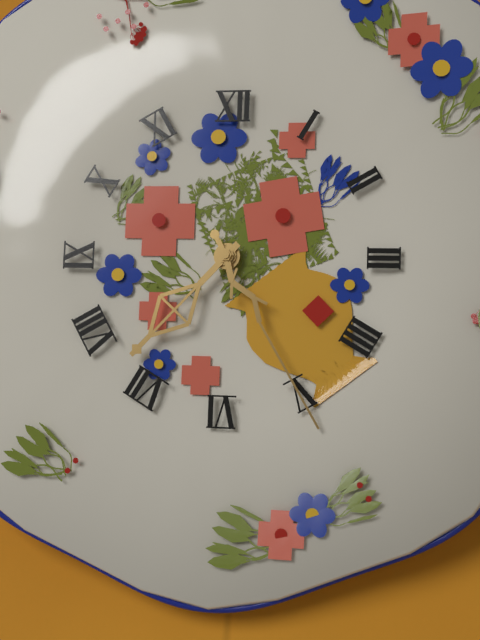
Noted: 7h25
